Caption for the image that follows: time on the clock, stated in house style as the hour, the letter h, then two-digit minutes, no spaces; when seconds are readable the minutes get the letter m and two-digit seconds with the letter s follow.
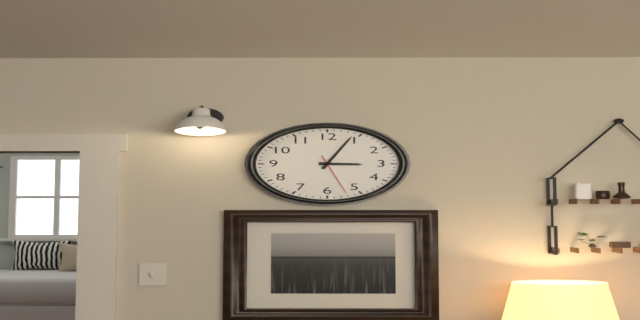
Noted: 3h04
